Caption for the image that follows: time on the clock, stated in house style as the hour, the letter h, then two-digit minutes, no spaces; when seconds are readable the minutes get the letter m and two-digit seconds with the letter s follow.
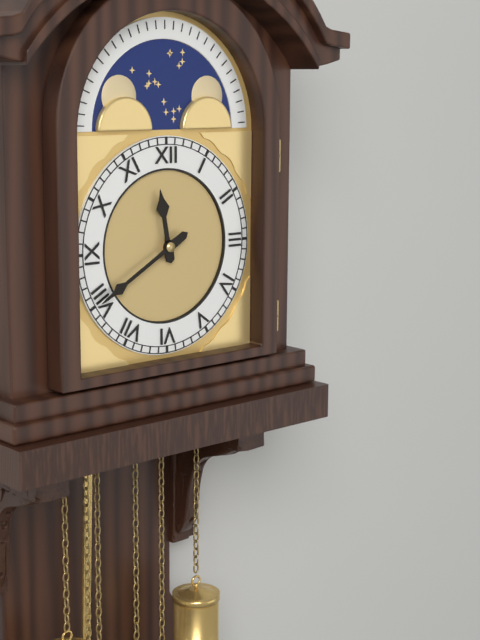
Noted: 11h40
